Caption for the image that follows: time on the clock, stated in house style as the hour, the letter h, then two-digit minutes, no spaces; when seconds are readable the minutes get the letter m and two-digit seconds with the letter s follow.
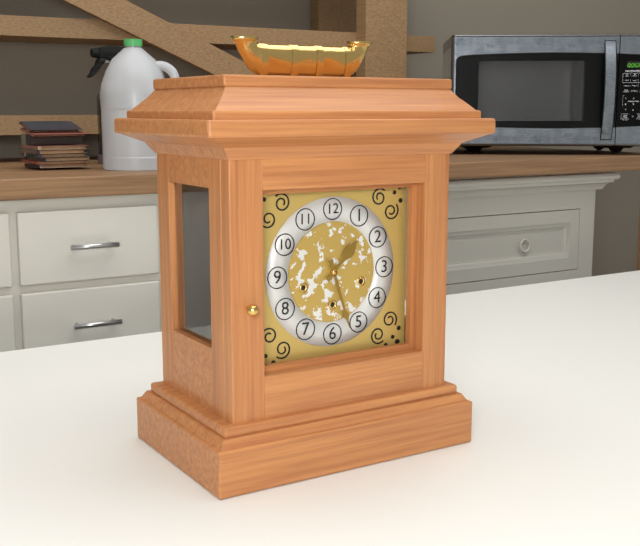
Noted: 1h27
